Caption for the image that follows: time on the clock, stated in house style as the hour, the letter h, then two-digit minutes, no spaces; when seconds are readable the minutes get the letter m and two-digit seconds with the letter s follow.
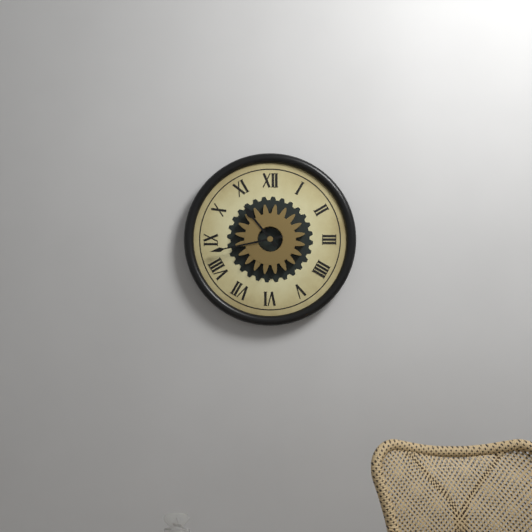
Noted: 10h43
